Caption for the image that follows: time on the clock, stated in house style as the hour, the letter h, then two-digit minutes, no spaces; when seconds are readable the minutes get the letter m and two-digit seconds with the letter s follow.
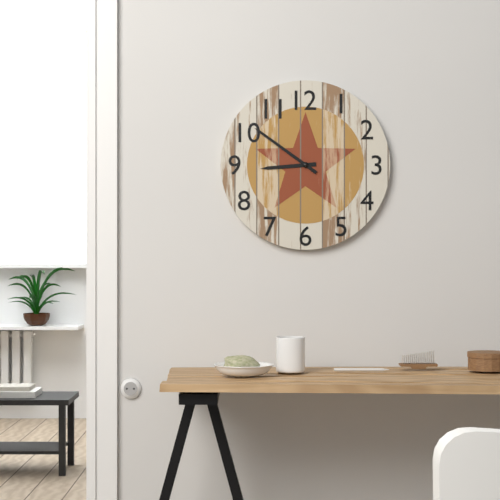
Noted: 8h51
